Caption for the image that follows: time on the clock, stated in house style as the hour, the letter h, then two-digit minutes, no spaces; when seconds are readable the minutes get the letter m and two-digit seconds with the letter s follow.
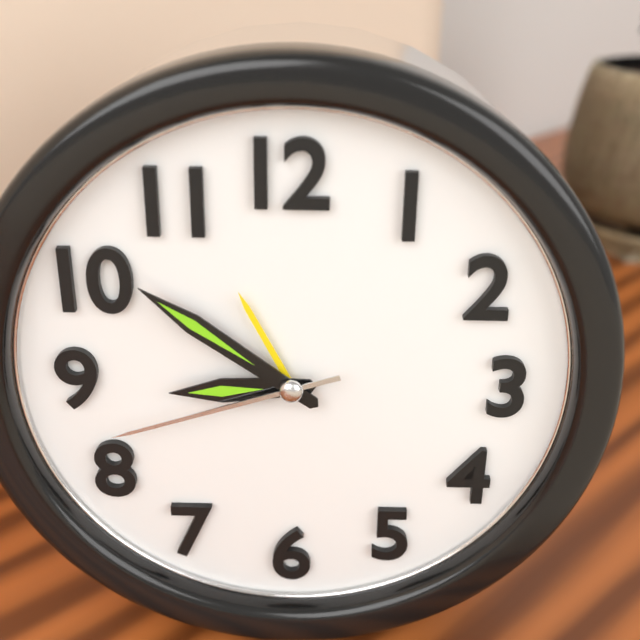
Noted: 8h51m42s
